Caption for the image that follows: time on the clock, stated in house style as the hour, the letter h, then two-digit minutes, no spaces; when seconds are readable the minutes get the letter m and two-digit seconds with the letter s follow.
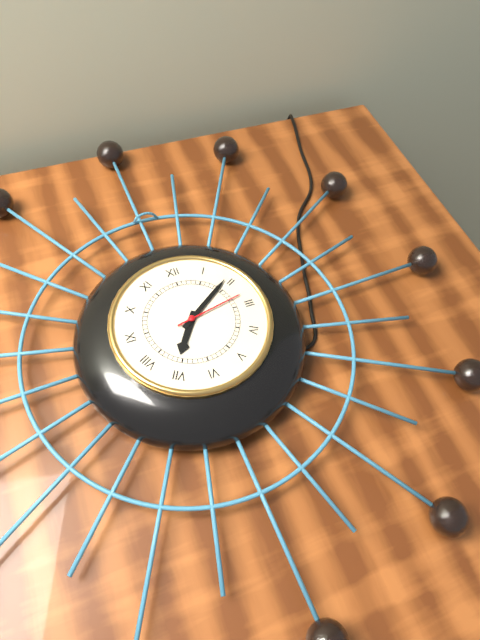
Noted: 7h09m13s
